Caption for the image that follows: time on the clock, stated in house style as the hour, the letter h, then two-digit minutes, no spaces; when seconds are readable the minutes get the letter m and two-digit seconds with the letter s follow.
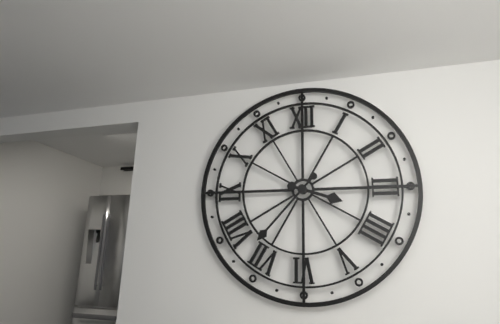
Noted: 3h37
